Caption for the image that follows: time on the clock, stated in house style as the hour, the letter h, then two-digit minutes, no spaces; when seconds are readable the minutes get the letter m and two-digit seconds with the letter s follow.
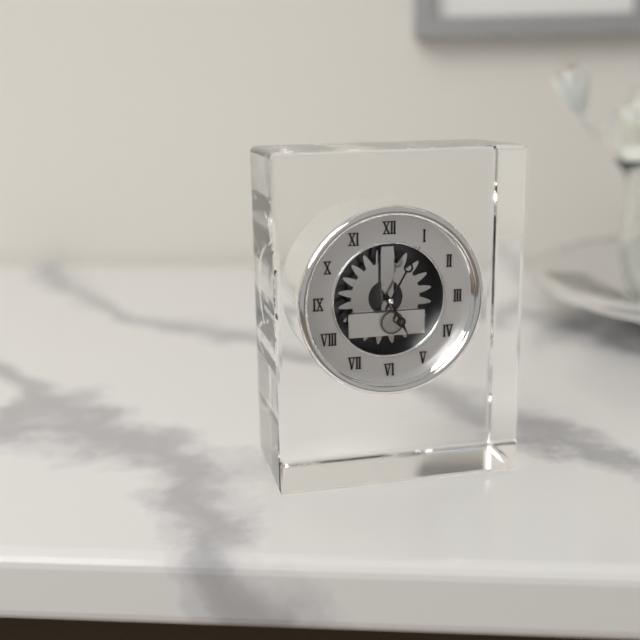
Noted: 5h05
